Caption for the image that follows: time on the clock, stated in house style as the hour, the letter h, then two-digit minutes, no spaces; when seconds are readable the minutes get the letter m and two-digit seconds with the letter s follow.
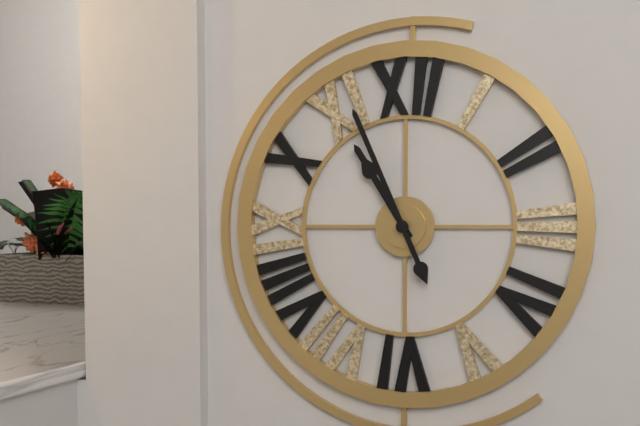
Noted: 10h56
